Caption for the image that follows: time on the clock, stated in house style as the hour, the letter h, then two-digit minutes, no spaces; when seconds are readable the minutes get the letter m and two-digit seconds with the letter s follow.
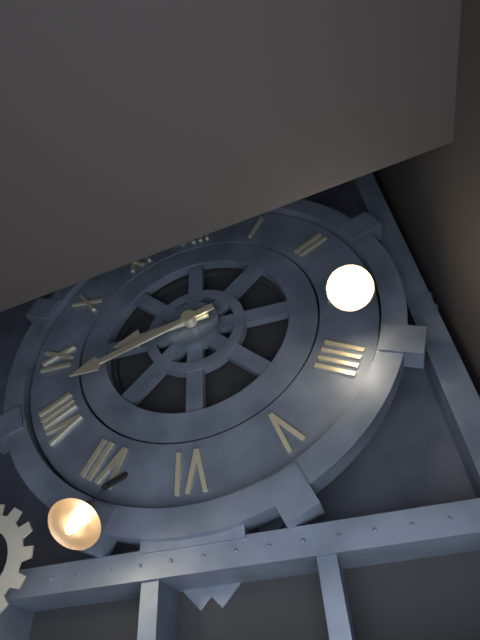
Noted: 8h42
